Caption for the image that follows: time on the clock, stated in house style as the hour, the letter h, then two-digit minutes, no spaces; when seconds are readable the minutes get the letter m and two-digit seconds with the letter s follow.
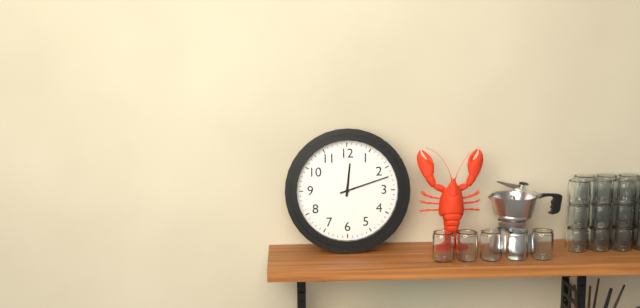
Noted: 12h12
